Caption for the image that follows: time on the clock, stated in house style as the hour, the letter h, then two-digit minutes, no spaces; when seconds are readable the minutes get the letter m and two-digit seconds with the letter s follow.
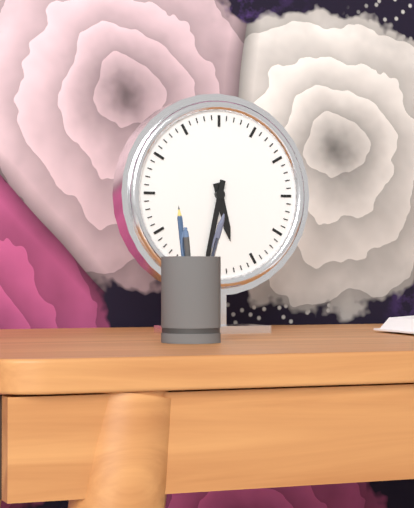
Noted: 5h32
